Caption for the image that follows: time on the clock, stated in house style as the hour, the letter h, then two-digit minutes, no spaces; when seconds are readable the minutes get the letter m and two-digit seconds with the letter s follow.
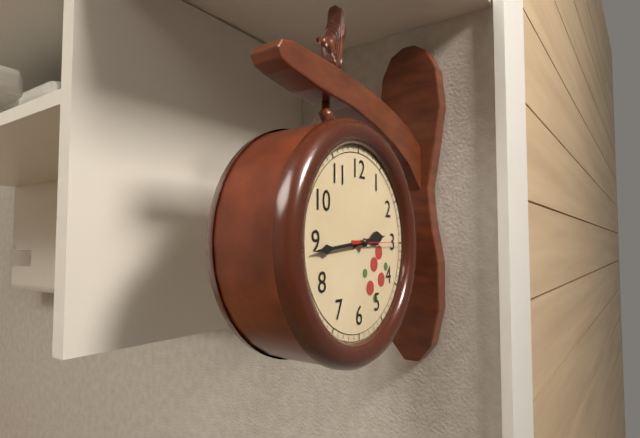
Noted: 2h44
